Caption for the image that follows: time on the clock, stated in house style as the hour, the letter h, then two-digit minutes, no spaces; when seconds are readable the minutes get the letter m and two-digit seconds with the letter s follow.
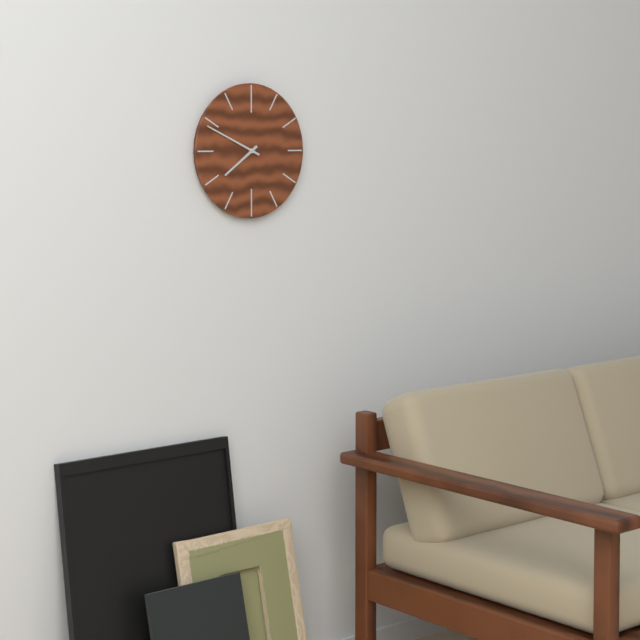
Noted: 7h49
